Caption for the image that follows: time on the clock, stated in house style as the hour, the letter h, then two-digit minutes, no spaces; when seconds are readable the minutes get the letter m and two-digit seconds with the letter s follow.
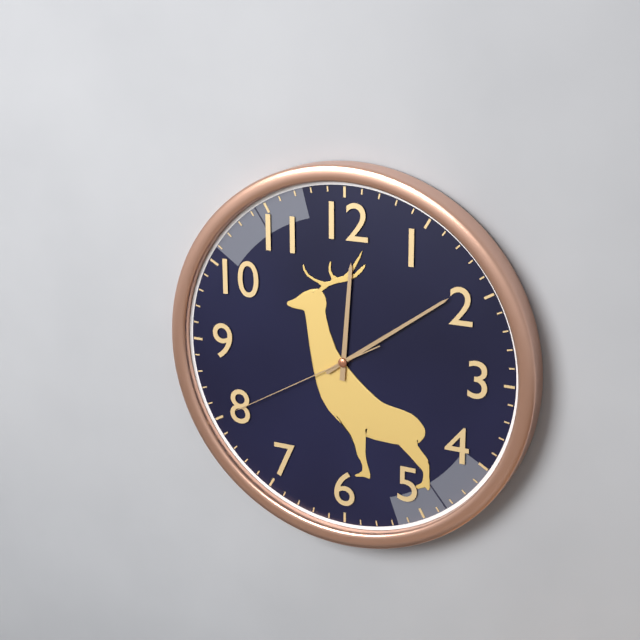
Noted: 12h09m40s
